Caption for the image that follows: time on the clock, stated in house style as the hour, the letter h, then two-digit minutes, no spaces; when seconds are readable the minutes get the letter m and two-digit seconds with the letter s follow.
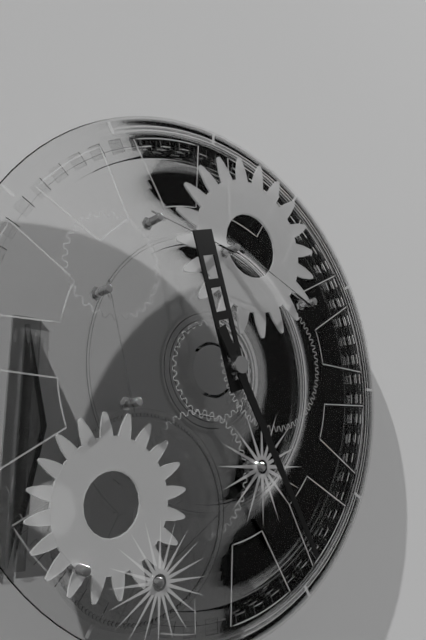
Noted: 11h25
